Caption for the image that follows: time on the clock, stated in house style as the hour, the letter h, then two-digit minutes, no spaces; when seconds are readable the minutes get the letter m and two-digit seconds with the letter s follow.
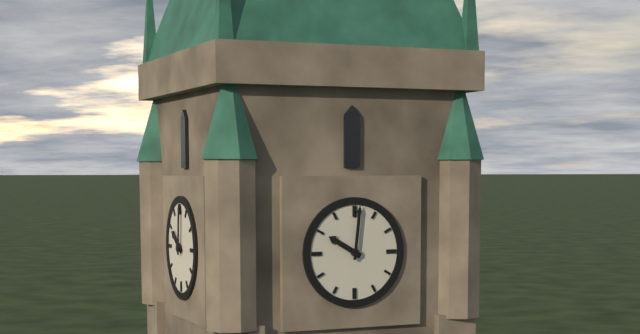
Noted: 10h01
